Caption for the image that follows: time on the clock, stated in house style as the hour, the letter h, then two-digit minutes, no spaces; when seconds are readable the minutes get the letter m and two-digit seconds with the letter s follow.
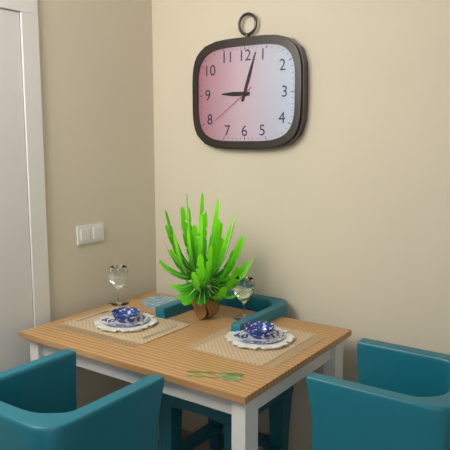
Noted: 9h03
